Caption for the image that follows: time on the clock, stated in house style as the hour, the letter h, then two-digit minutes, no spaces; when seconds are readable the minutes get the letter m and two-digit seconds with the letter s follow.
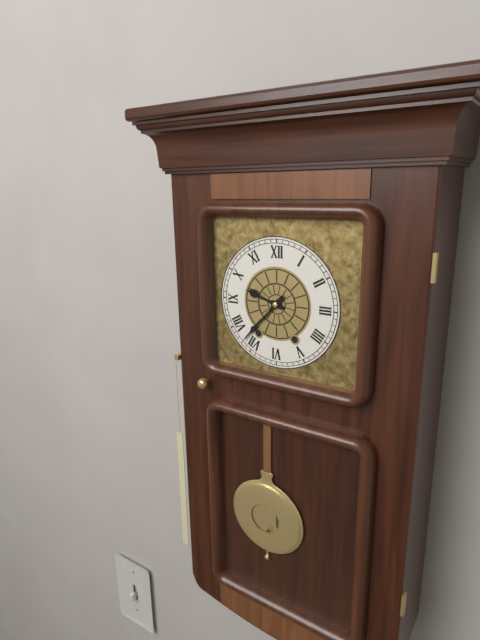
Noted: 9h37
